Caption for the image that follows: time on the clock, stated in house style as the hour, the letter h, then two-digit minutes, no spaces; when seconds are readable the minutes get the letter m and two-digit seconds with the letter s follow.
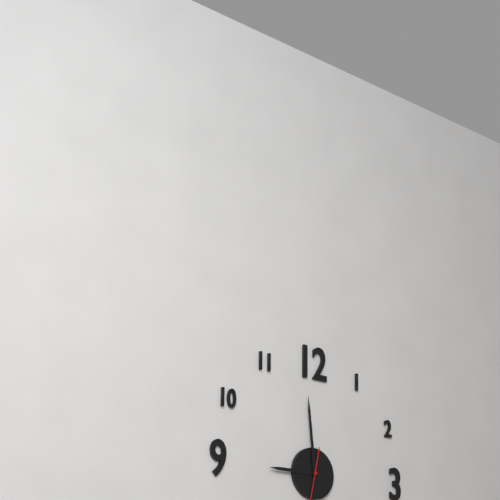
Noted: 8h59
